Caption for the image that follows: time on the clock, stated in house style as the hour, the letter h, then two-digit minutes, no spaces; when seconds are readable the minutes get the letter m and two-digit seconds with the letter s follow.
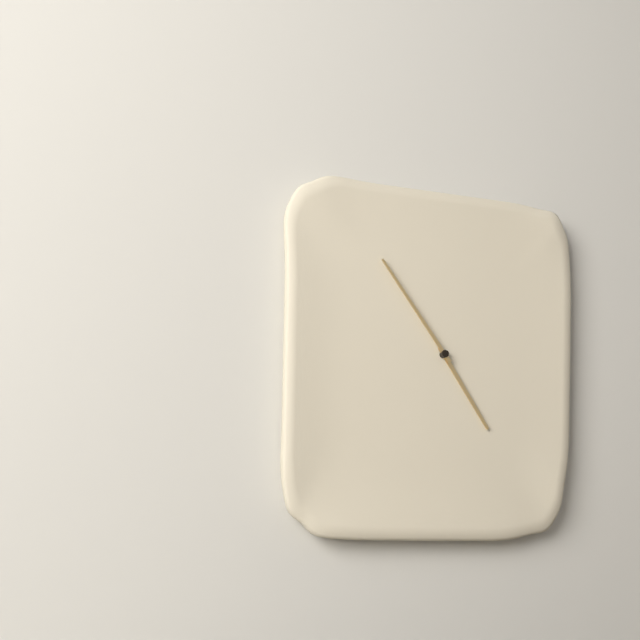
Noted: 4h54
